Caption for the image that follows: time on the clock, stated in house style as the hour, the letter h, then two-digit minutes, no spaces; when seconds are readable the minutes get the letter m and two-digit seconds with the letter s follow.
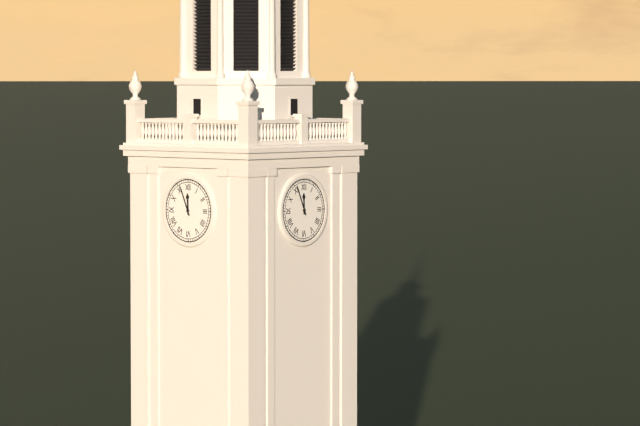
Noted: 11h56
